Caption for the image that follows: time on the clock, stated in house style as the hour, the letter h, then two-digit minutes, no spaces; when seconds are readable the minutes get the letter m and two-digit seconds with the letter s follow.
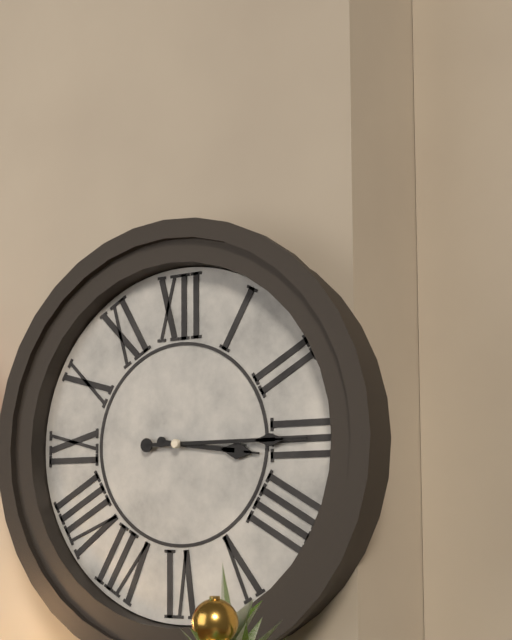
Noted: 3h15
